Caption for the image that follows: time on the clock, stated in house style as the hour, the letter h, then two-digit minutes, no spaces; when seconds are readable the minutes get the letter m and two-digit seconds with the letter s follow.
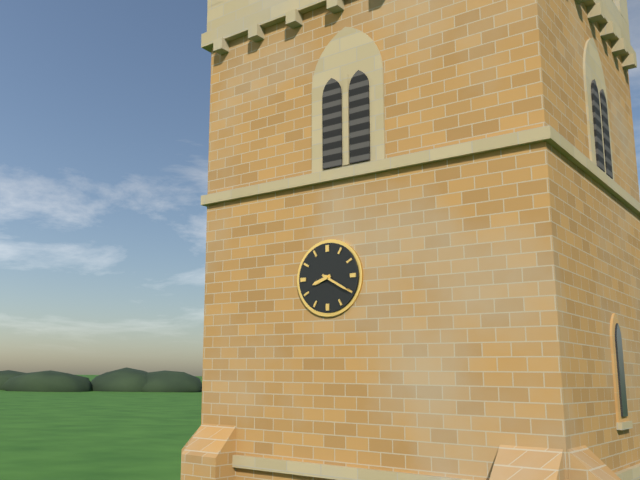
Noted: 8h20
